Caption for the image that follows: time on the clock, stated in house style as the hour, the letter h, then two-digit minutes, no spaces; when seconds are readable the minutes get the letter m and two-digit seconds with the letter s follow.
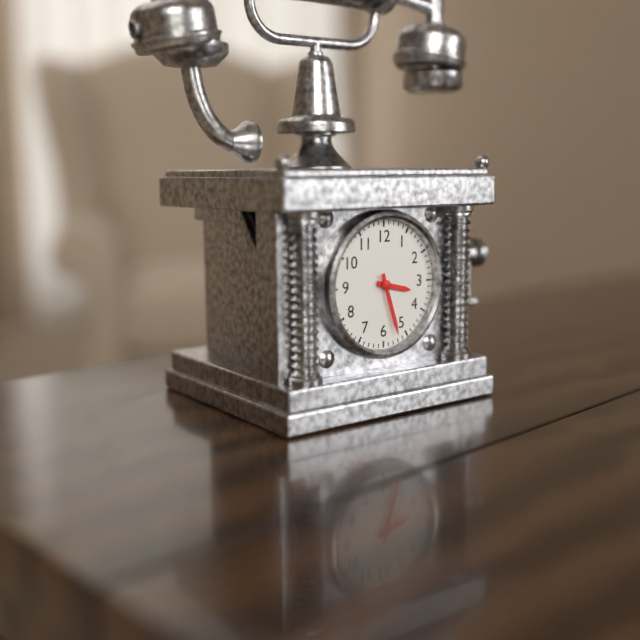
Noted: 3h27
